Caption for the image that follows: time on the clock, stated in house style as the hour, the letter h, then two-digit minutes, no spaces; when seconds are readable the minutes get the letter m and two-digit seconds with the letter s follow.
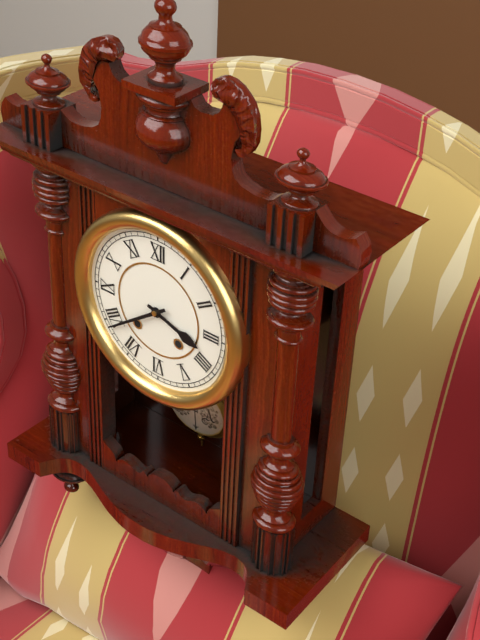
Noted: 3h39
